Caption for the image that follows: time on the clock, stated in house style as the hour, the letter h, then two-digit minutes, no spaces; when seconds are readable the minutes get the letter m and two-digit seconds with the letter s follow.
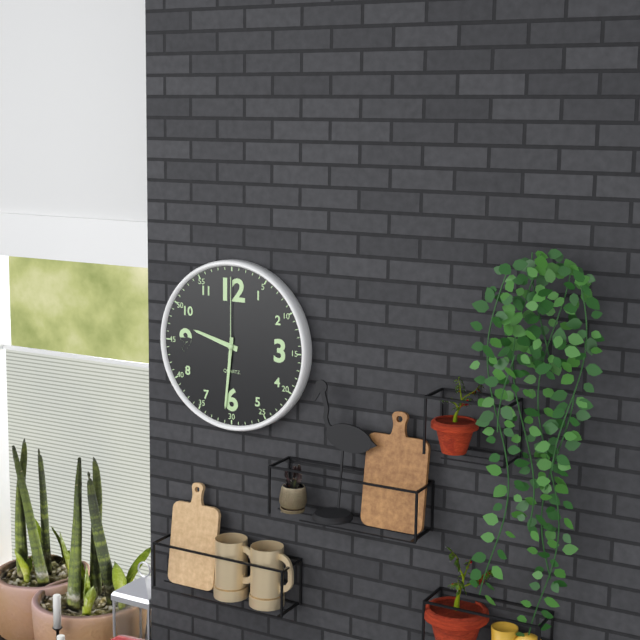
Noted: 9h31m00s
